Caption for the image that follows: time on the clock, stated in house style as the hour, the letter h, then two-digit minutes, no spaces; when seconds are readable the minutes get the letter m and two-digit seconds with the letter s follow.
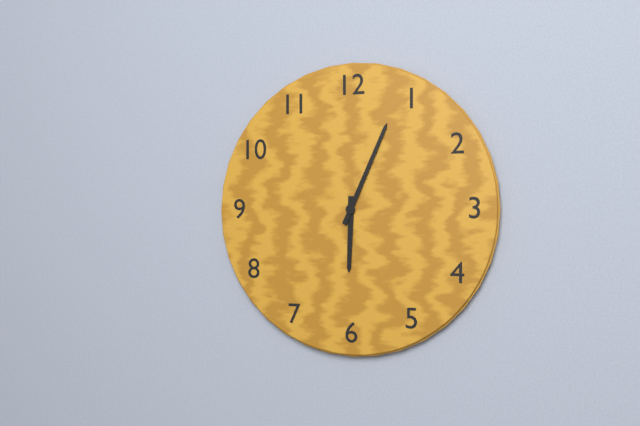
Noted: 6h04
